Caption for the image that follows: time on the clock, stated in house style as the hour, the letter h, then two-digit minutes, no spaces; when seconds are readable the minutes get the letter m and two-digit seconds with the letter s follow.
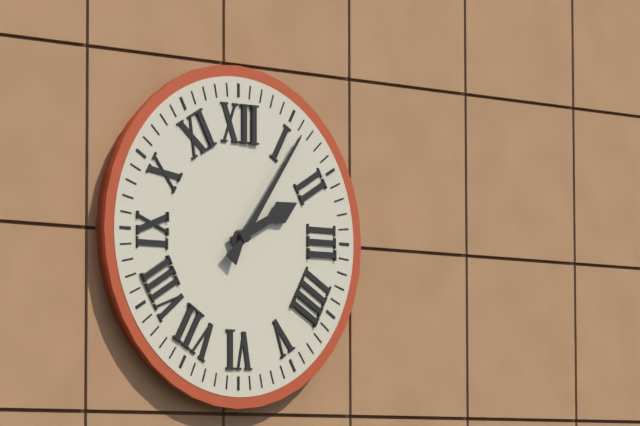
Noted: 2h06
